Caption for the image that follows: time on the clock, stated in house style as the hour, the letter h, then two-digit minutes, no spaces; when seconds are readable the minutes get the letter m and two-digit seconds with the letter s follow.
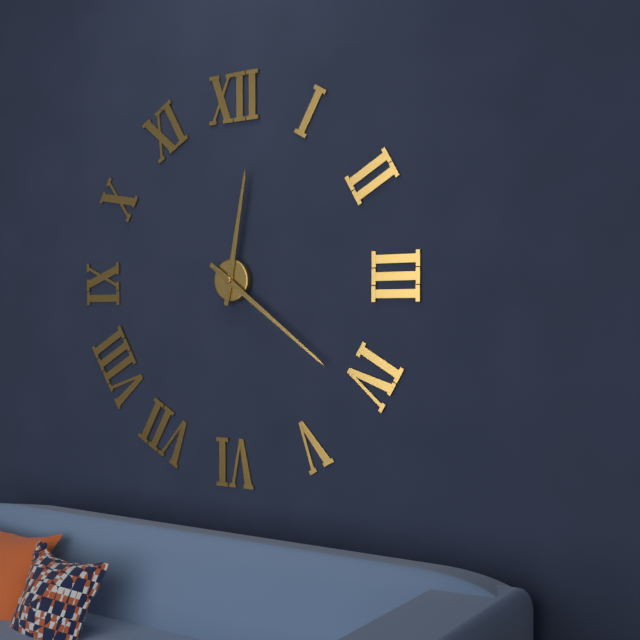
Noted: 12h21
